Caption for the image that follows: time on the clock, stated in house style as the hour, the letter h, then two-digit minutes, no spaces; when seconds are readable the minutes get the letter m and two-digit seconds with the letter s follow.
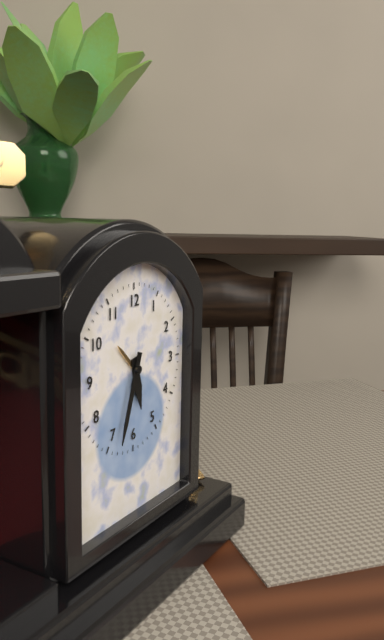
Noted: 5h33
